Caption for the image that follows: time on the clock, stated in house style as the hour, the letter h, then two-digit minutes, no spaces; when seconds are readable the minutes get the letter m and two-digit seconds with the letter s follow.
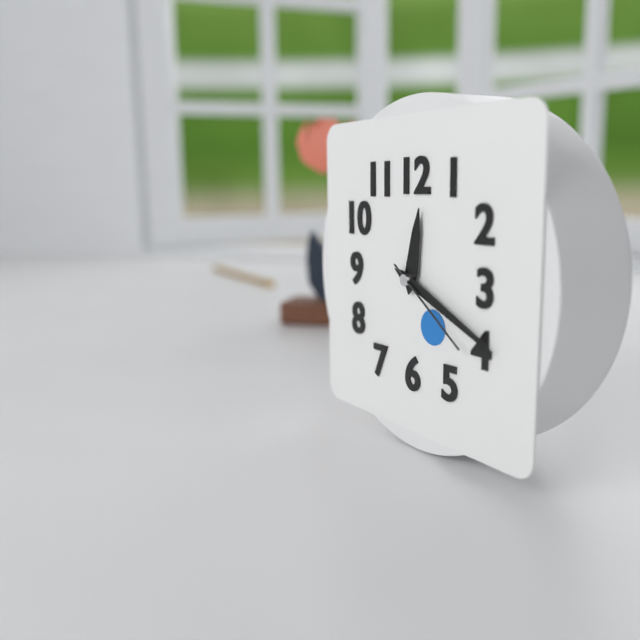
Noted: 12h19m21s
